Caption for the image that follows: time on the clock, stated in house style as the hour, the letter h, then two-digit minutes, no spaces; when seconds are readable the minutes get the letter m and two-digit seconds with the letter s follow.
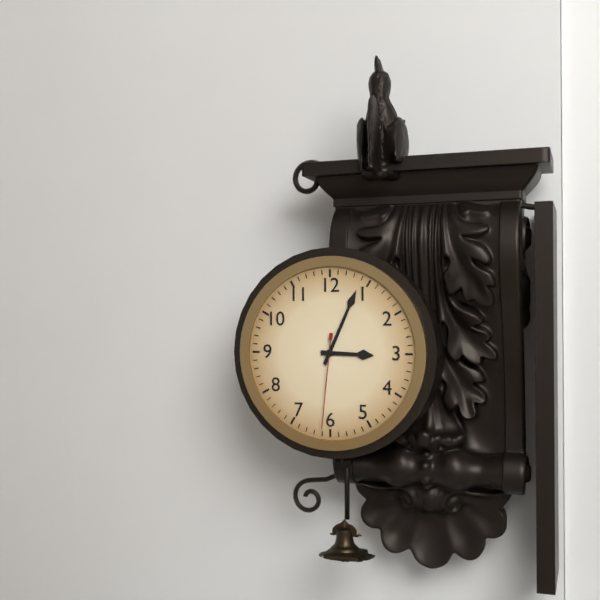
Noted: 3h04m31s
